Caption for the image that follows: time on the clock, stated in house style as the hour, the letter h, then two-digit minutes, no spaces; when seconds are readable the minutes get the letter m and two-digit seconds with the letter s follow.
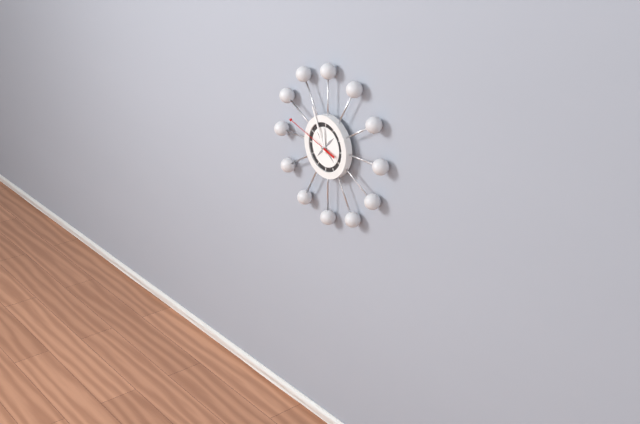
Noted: 11h56m48s
